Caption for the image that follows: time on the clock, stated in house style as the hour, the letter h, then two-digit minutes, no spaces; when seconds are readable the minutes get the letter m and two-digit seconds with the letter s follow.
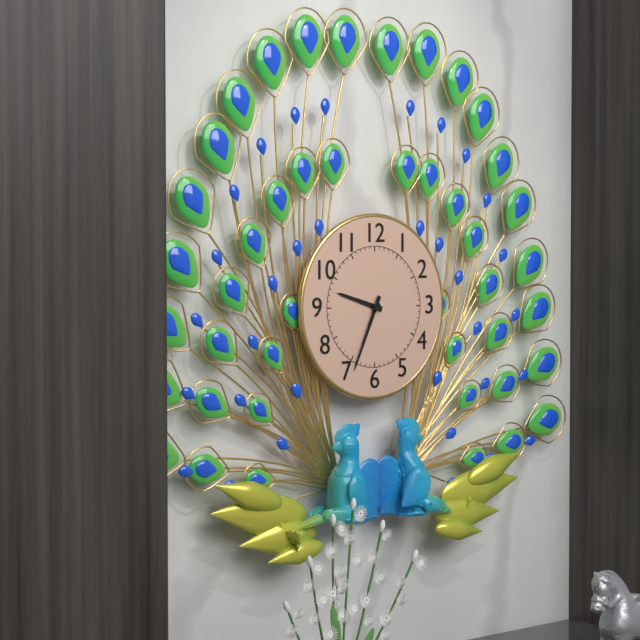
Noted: 9h34
